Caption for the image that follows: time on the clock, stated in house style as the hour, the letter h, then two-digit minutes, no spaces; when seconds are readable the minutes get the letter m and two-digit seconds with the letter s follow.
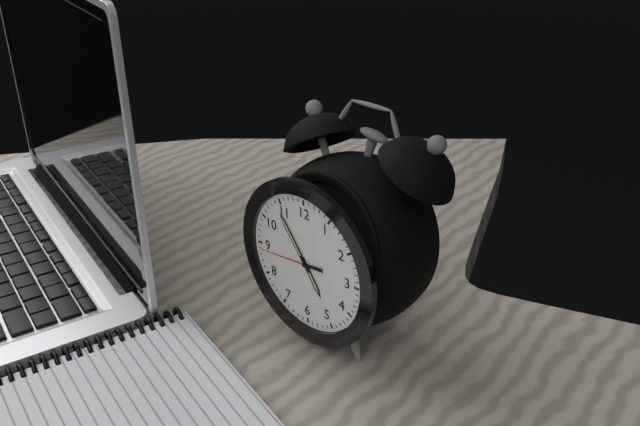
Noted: 4h54m44s
